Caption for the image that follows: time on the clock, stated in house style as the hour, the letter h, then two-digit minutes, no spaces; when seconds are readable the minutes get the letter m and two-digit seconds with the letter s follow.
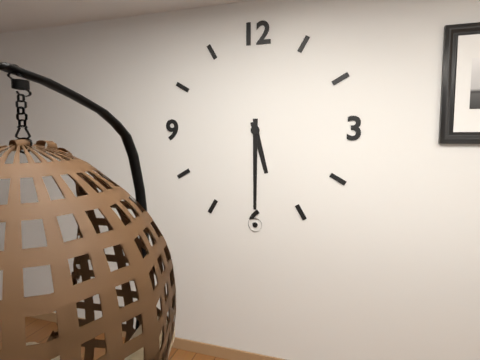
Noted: 5h30
